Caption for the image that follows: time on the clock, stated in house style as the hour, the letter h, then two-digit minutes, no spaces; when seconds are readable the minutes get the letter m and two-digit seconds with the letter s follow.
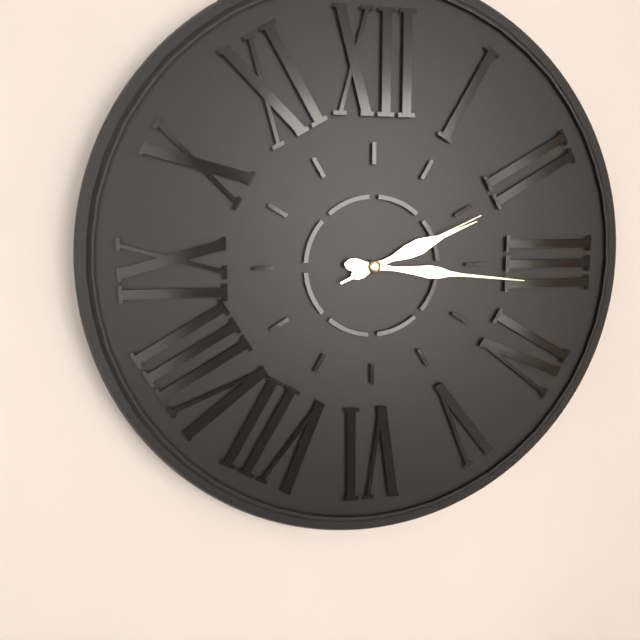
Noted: 2h16m11s
